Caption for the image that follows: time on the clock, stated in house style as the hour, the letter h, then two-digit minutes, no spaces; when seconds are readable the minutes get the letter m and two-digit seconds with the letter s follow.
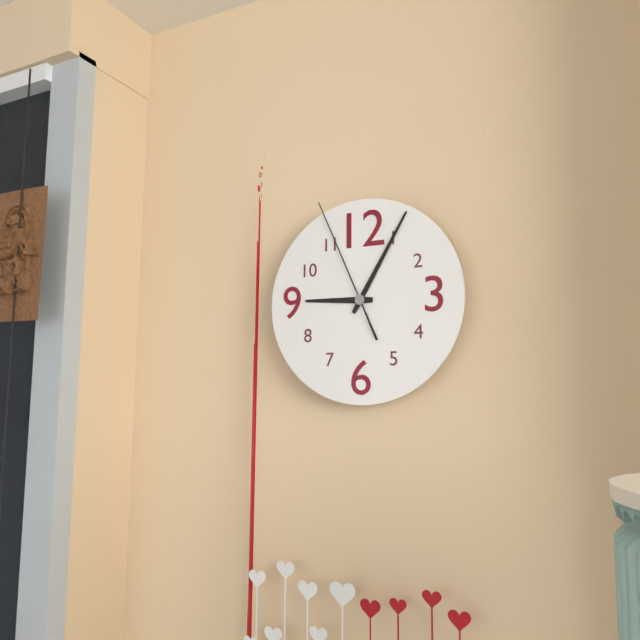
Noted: 9h05m56s
